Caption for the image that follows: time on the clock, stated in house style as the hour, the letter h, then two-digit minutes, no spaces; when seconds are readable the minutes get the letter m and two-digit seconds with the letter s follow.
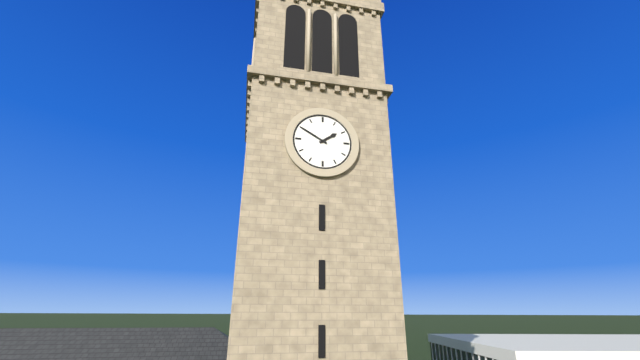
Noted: 1h50
